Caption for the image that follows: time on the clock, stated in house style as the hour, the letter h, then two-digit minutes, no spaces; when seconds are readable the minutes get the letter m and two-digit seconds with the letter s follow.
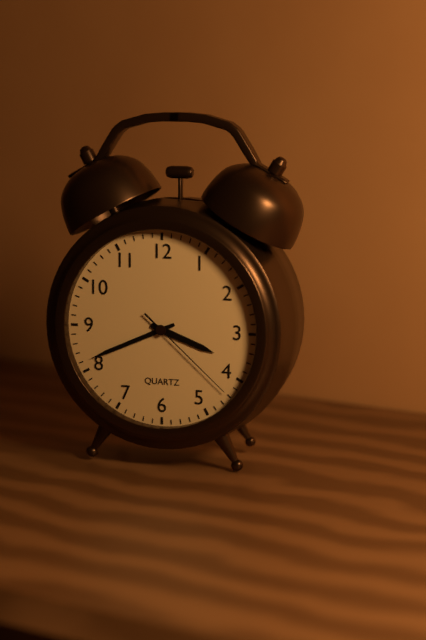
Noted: 3h41m22s
